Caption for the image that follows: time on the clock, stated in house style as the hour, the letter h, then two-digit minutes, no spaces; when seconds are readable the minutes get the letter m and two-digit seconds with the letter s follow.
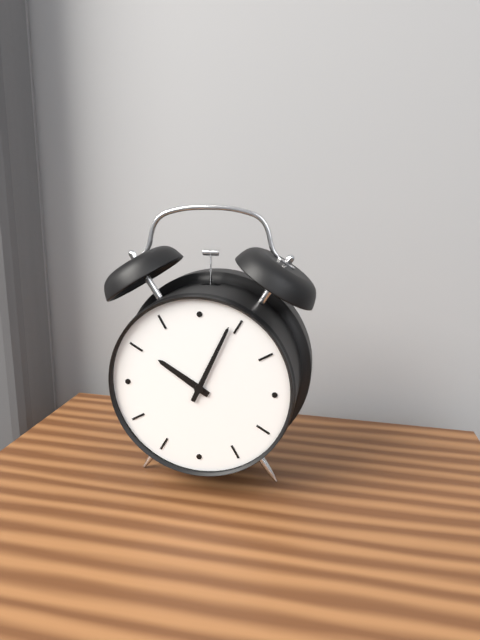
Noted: 10h04
